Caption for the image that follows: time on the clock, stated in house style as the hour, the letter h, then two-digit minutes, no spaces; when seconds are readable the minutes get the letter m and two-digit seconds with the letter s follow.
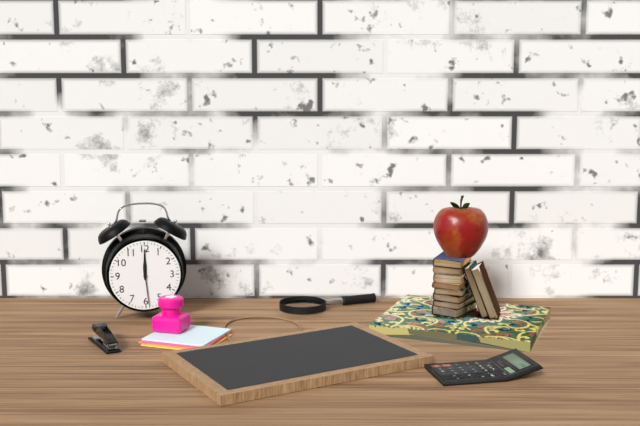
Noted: 12h00
